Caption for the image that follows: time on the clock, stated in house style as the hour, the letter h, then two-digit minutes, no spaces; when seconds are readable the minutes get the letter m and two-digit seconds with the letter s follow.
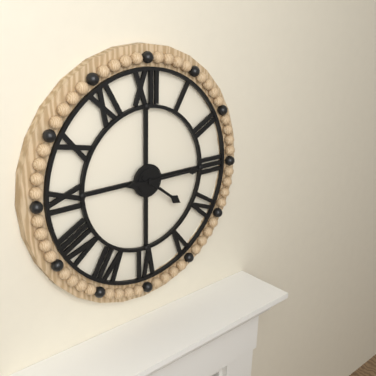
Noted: 4h15
